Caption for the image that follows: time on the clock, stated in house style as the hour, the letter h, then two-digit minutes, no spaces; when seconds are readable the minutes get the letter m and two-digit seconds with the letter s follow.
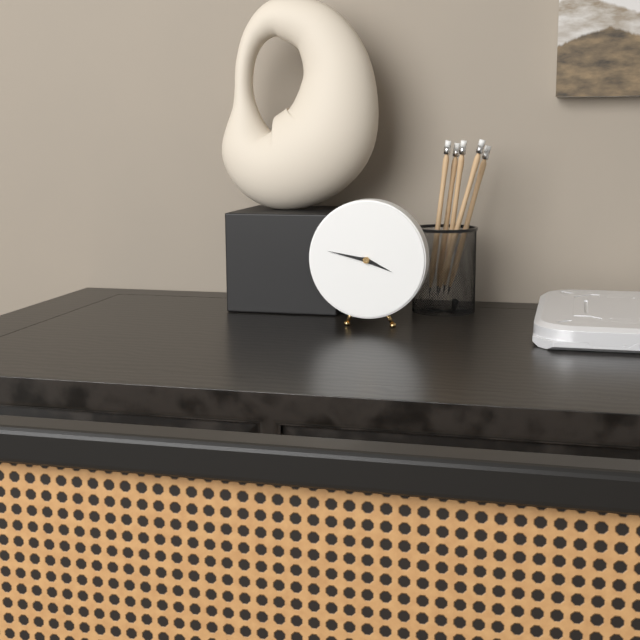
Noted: 3h47
